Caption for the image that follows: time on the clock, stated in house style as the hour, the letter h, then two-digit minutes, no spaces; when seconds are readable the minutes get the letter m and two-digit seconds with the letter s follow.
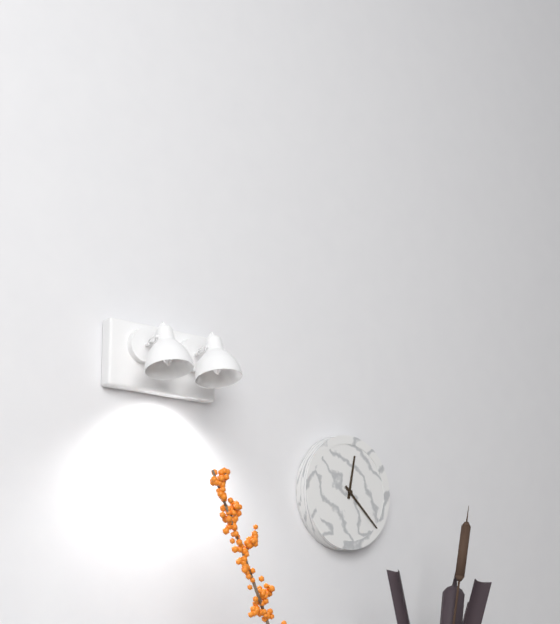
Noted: 12h22
